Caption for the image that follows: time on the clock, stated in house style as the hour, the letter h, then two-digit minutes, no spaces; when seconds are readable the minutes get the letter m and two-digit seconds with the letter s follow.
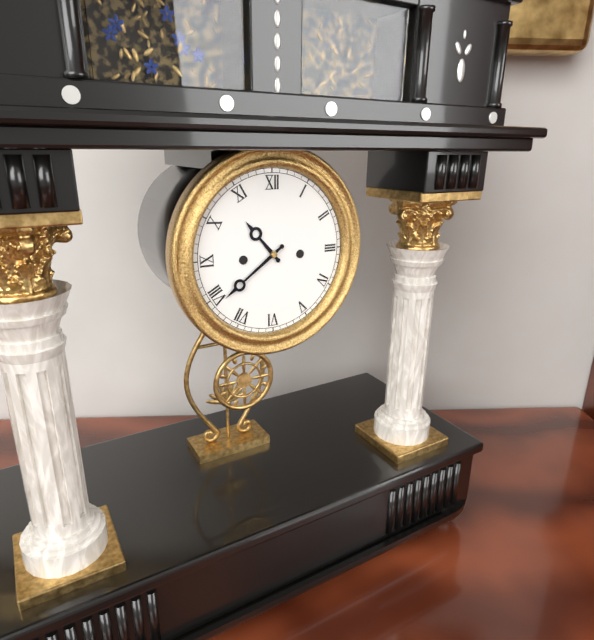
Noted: 10h39
